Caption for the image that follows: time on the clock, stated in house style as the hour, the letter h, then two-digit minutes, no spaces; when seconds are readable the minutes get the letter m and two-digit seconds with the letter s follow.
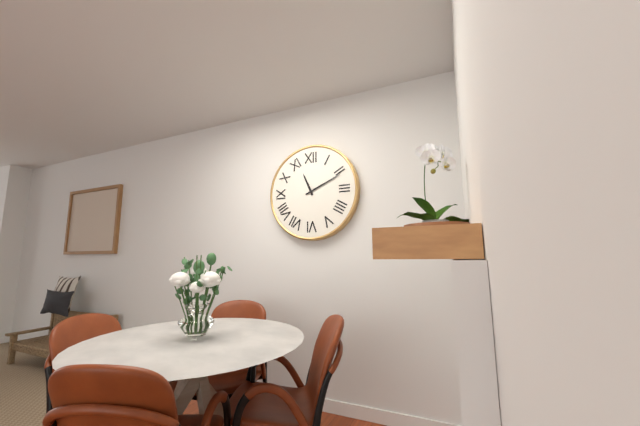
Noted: 11h11
